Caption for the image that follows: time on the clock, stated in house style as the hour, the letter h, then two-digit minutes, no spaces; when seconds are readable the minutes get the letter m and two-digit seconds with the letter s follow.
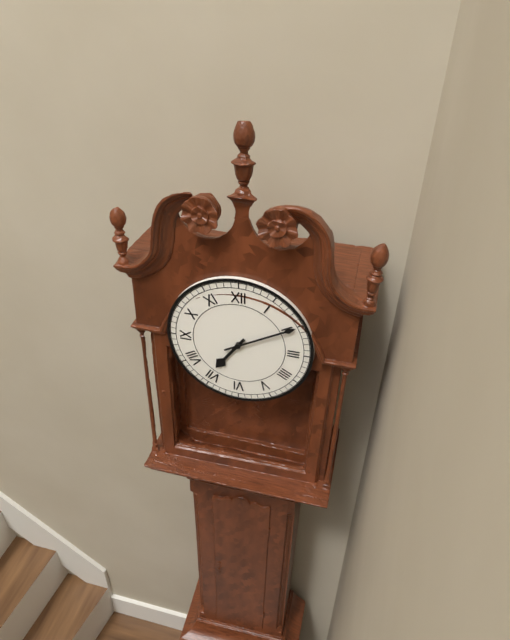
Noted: 7h10
